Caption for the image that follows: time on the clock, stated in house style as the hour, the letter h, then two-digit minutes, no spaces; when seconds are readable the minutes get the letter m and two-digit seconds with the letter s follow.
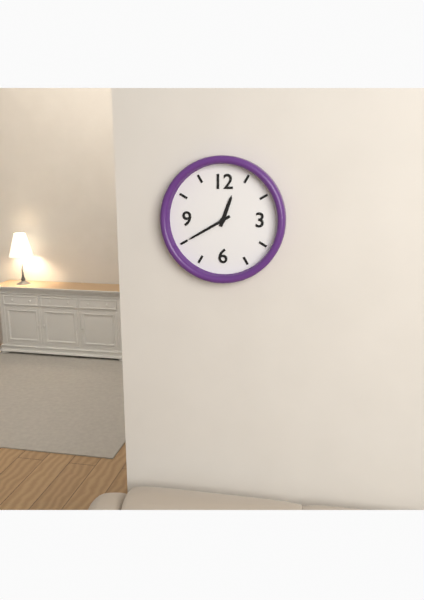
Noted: 12h40
